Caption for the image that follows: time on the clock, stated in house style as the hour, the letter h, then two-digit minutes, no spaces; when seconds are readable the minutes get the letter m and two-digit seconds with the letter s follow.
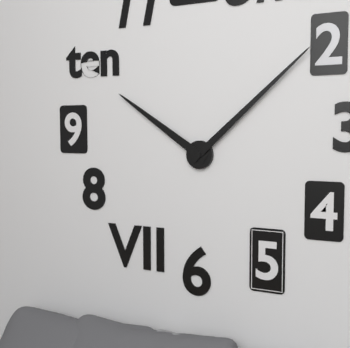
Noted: 10h08
